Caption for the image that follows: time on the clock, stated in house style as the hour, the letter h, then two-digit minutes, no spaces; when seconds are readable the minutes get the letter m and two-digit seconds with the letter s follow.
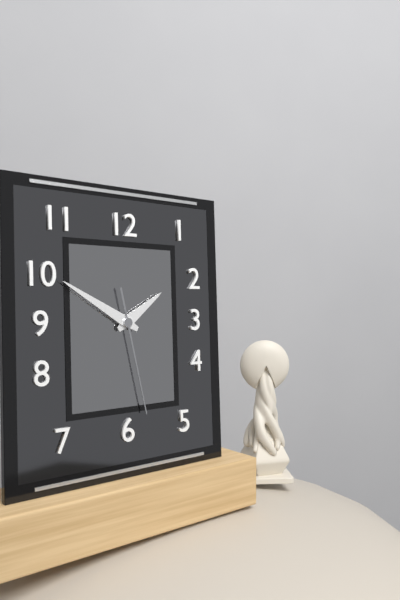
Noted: 1h50m28s
